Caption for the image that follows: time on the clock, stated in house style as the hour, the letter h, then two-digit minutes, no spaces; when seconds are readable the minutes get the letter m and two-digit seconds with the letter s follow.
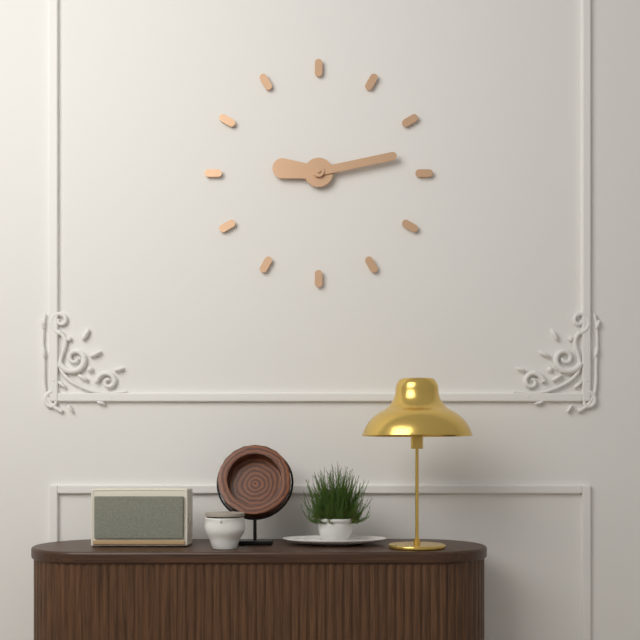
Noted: 9h13
